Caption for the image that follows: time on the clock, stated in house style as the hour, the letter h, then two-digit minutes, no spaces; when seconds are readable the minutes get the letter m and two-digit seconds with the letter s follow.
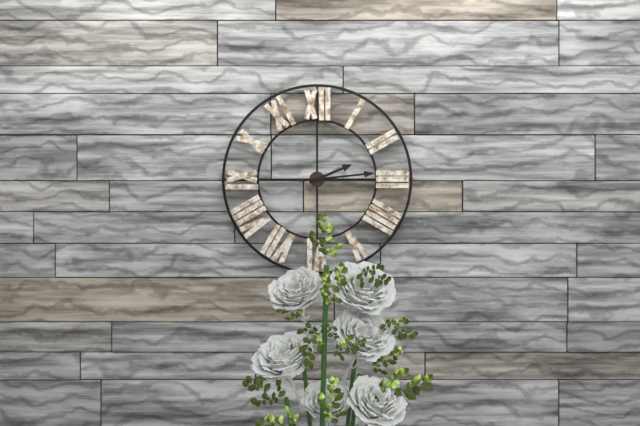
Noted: 2h14
